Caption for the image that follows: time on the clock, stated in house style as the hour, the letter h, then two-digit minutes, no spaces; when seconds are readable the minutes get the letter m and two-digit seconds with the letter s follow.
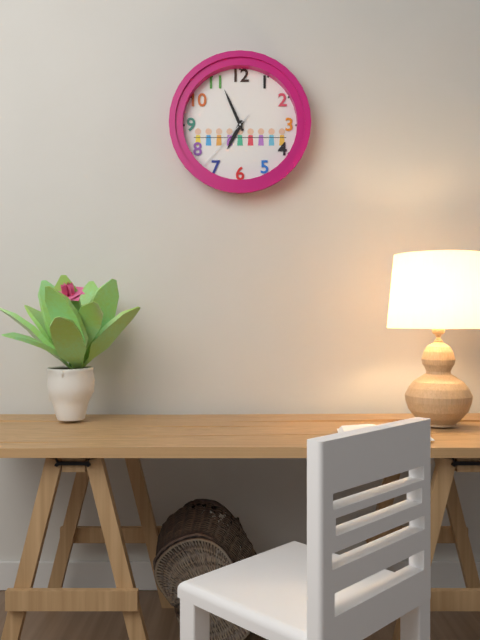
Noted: 6h56m37s
